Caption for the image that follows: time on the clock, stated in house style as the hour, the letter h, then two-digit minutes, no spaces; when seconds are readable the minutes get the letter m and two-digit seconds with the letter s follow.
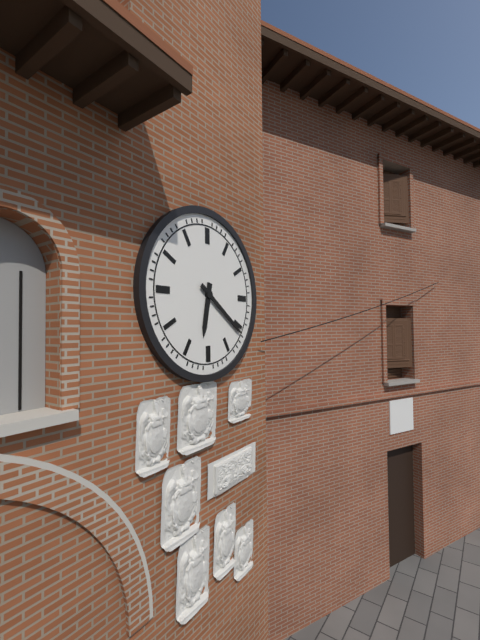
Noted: 6h21
